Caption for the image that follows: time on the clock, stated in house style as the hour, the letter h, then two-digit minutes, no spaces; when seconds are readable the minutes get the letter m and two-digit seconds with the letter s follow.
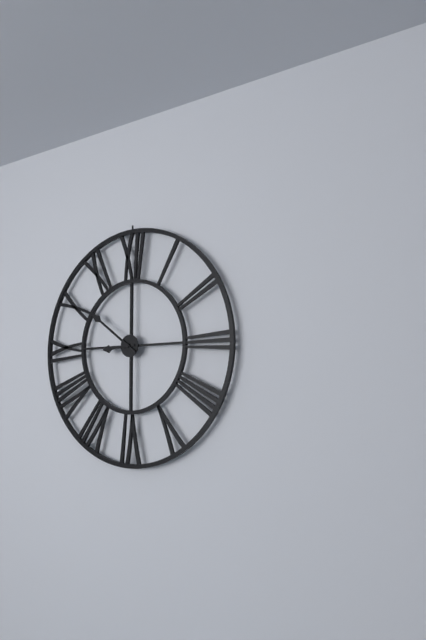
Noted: 8h51
